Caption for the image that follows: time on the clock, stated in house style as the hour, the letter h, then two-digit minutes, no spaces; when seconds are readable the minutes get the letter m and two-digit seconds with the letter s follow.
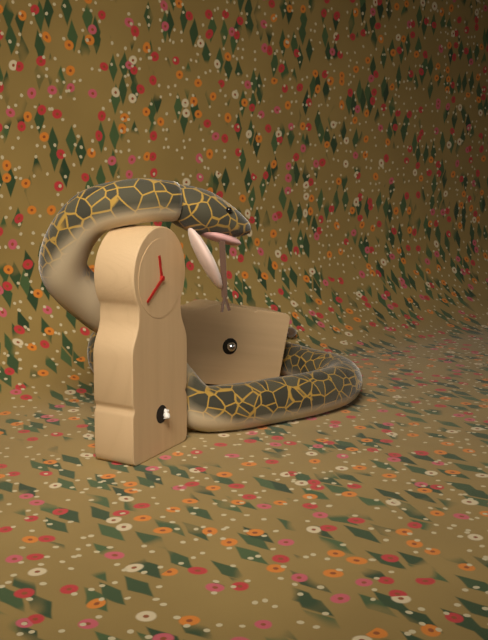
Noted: 11h39
